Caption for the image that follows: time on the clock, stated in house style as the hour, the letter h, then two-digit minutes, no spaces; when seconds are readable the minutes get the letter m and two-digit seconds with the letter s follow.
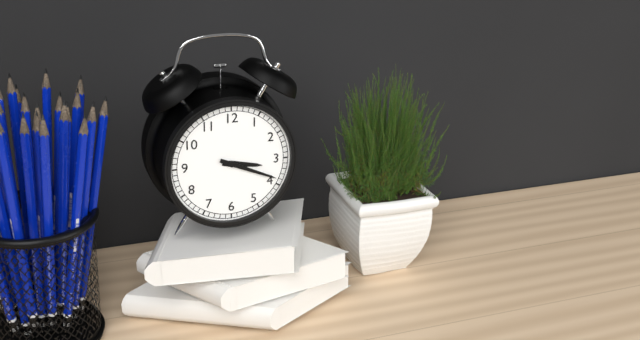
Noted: 3h19
